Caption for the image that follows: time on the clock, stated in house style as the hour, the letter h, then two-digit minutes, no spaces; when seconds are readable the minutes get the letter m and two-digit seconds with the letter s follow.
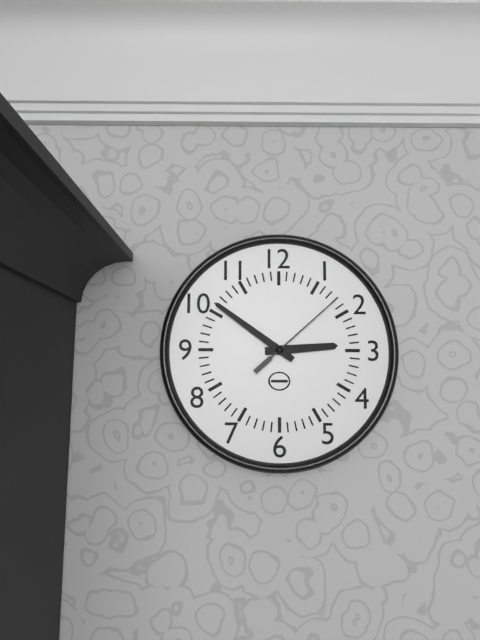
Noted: 2h51m08s
